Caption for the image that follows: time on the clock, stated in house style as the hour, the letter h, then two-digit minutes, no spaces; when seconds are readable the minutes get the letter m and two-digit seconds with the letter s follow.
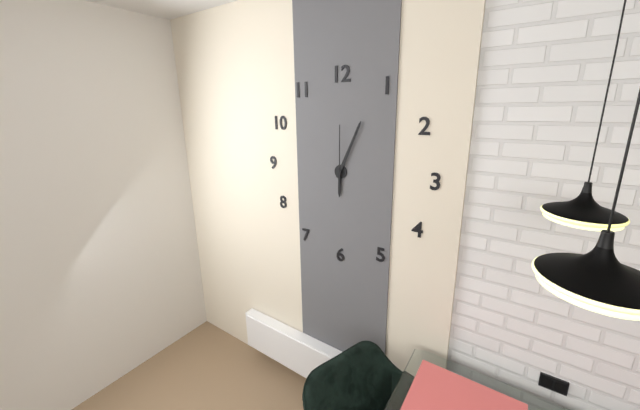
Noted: 6h04m00s
